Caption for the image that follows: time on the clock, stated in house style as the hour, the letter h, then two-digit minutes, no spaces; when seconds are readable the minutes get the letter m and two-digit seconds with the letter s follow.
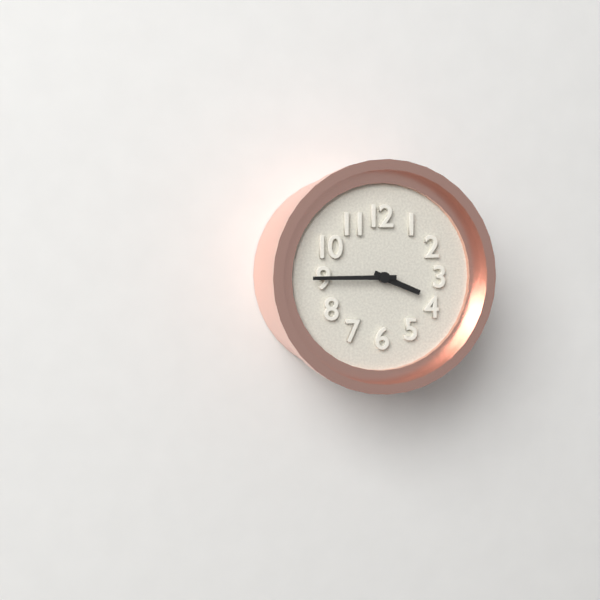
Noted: 3h45
